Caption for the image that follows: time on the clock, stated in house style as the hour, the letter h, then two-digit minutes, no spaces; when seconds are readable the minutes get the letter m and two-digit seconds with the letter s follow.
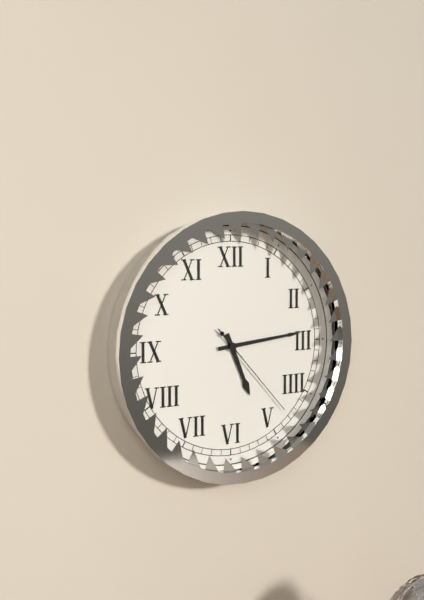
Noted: 5h14m23s
